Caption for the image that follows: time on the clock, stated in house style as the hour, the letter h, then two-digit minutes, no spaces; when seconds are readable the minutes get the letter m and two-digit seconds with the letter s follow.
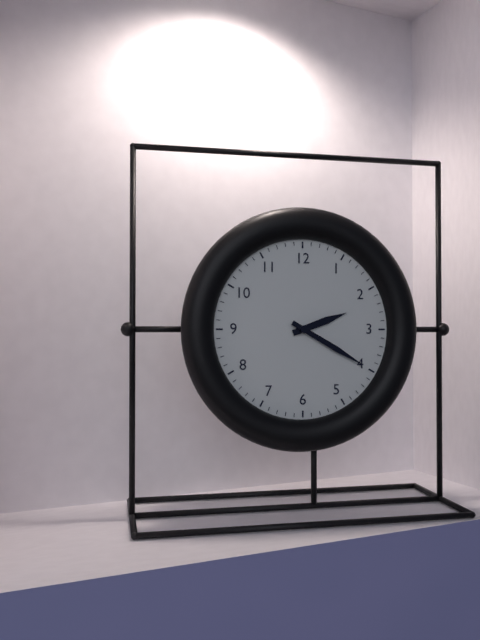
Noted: 2h20
